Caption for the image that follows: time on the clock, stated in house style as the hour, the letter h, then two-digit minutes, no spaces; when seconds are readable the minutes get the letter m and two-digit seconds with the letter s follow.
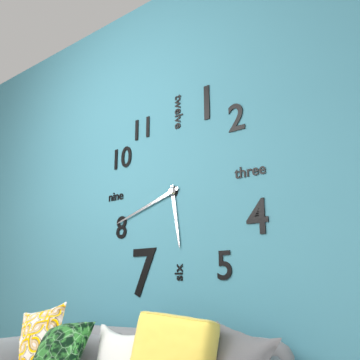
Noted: 5h42
